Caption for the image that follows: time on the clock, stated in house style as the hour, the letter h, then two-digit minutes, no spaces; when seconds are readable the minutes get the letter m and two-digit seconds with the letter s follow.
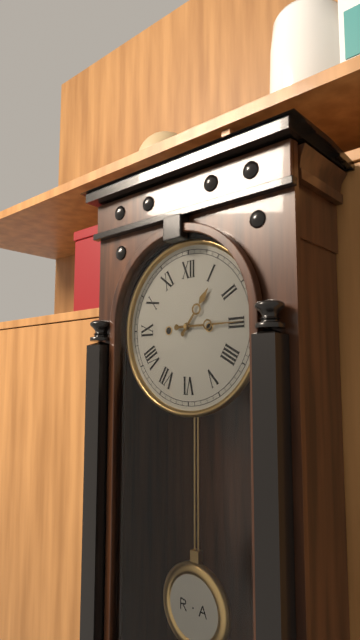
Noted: 1h15
